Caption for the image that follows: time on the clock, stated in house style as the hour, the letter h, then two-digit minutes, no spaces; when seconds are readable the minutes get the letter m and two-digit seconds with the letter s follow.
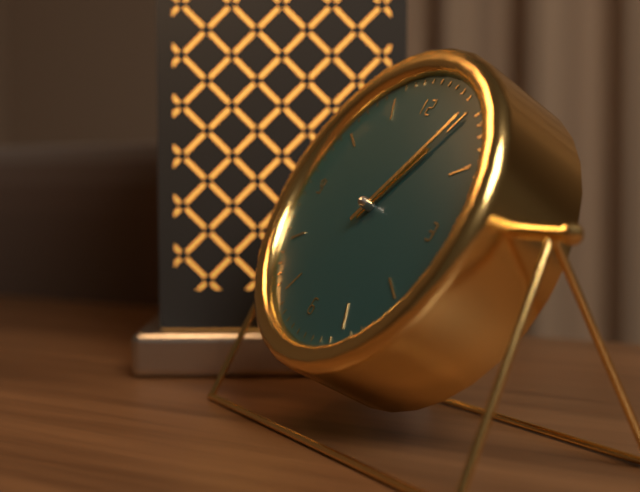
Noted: 1h05
